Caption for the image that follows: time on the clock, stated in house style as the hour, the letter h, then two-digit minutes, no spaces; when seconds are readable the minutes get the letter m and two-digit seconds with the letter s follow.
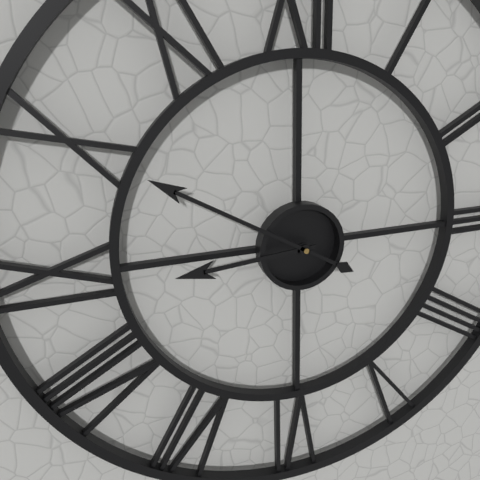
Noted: 8h50
